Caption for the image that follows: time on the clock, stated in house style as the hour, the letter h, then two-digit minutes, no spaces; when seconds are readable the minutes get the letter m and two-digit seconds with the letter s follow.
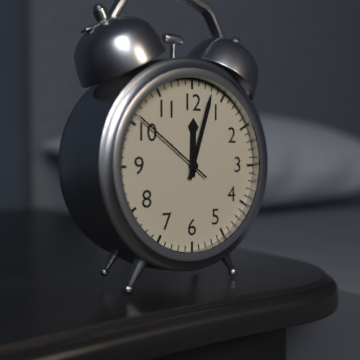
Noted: 12h03m51s
